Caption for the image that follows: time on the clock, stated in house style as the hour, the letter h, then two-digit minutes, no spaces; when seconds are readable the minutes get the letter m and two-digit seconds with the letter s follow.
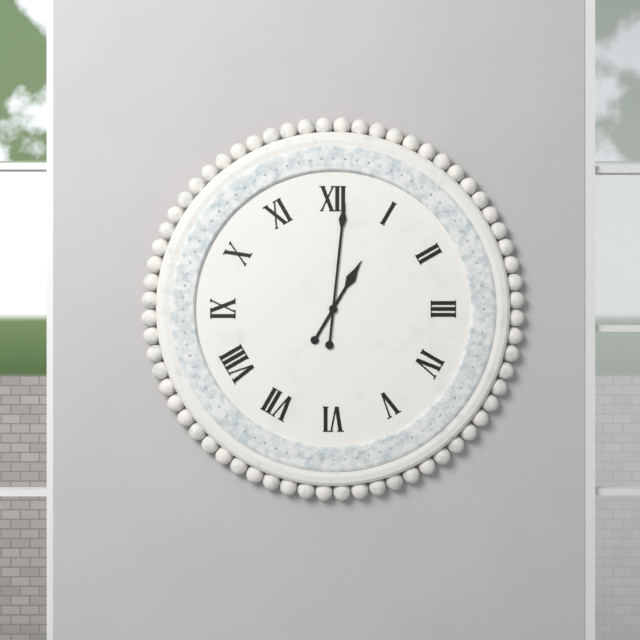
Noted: 1h01
